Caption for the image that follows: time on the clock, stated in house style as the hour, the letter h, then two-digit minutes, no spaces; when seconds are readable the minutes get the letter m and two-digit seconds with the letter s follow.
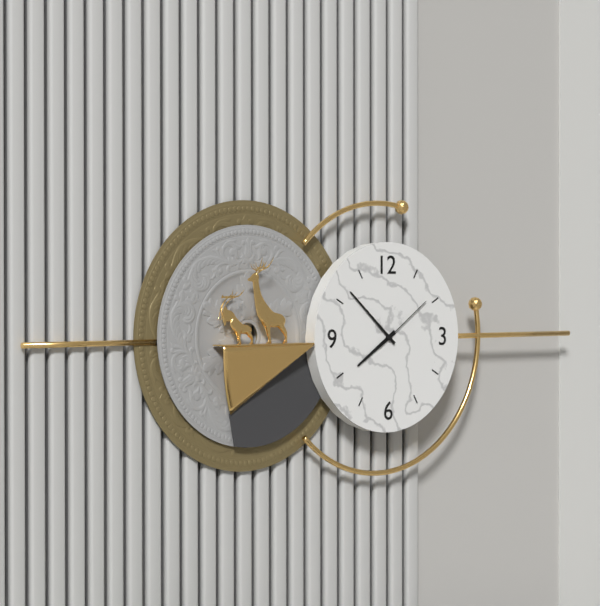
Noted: 7h52m09s
